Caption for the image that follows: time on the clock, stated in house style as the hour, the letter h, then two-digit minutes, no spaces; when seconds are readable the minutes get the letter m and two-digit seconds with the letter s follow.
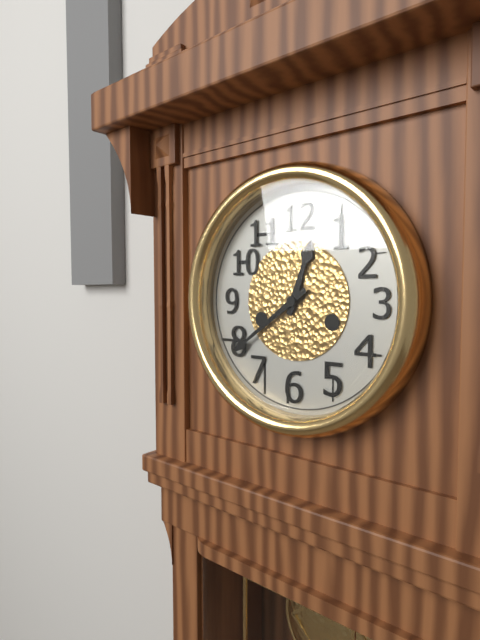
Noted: 12h39
